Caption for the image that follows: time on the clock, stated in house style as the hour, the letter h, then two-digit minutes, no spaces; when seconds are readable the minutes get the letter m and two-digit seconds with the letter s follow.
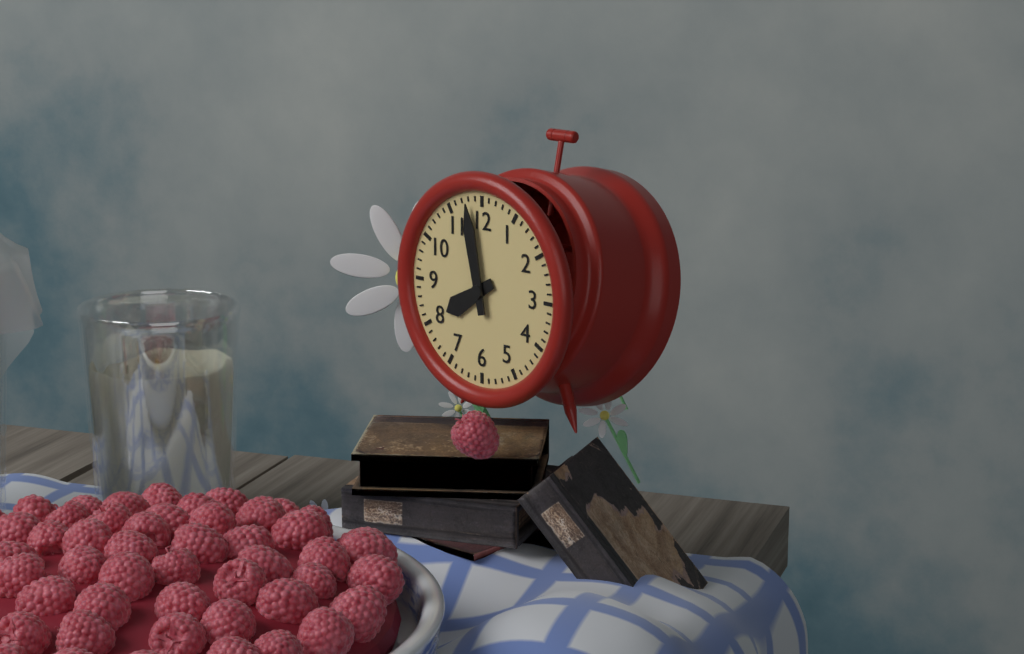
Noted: 7h58
